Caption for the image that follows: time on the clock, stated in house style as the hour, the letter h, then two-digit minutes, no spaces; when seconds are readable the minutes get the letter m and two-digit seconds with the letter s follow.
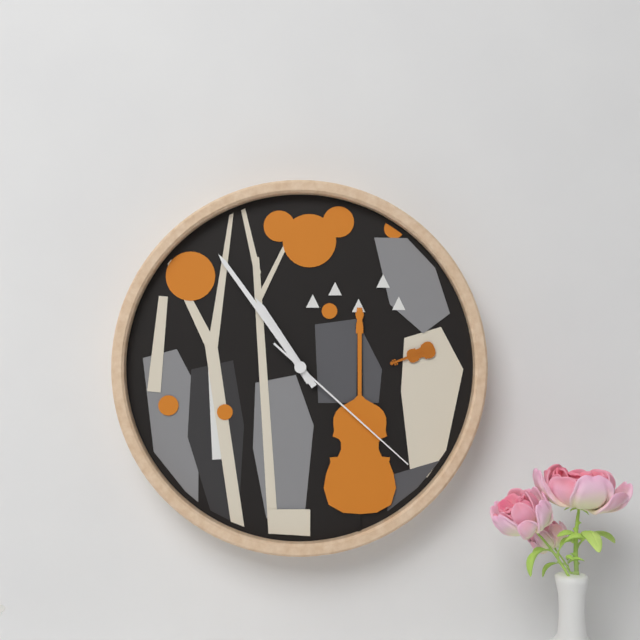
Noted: 10h54m22s
